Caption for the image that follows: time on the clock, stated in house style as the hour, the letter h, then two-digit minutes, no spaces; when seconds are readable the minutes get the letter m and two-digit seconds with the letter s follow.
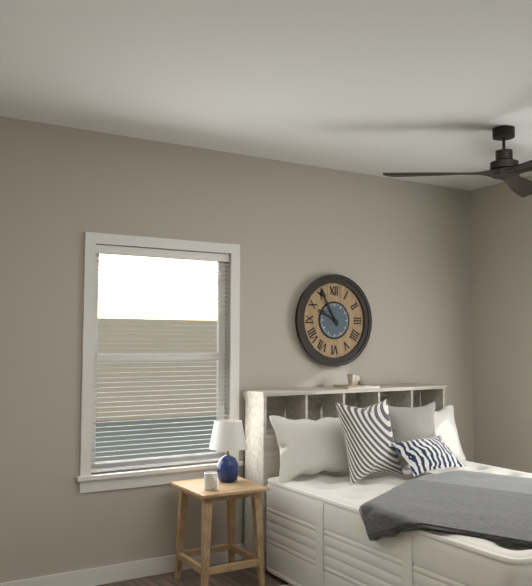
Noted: 9h55
